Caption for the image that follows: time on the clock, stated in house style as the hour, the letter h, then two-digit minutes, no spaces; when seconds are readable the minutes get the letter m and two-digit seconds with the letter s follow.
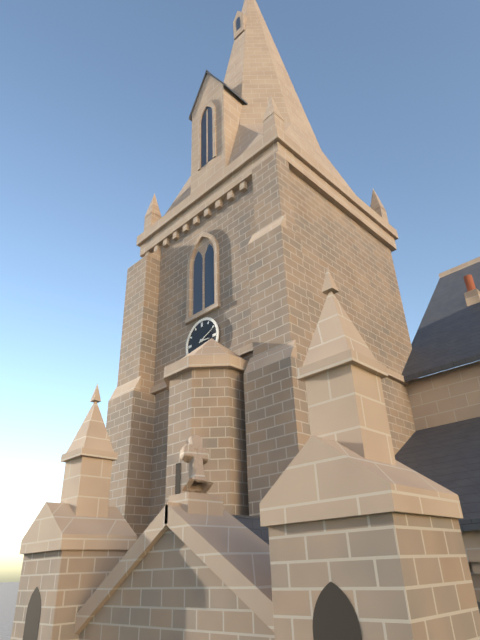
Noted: 3h11
